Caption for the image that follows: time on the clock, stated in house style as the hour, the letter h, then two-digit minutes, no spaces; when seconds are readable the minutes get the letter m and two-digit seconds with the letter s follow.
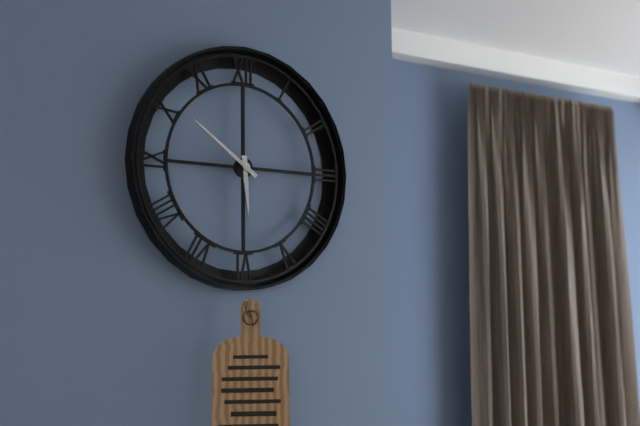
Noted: 5h51
